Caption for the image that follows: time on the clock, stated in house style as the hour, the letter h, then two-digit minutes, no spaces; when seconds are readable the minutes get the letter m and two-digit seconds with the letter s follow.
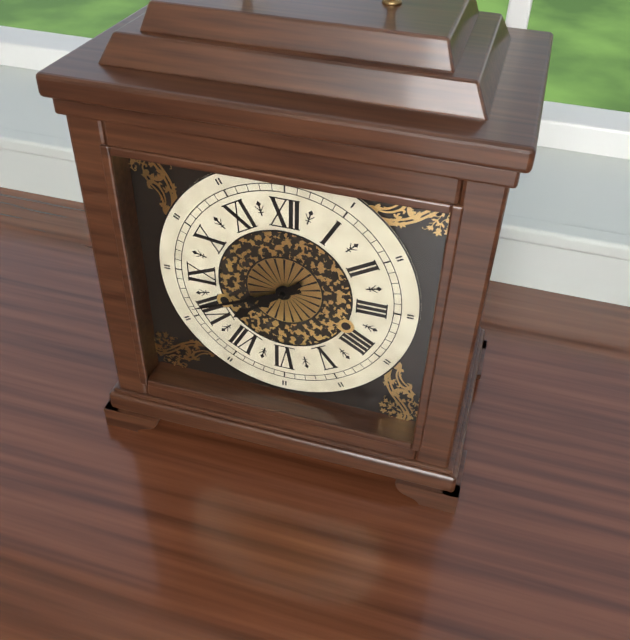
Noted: 7h41
